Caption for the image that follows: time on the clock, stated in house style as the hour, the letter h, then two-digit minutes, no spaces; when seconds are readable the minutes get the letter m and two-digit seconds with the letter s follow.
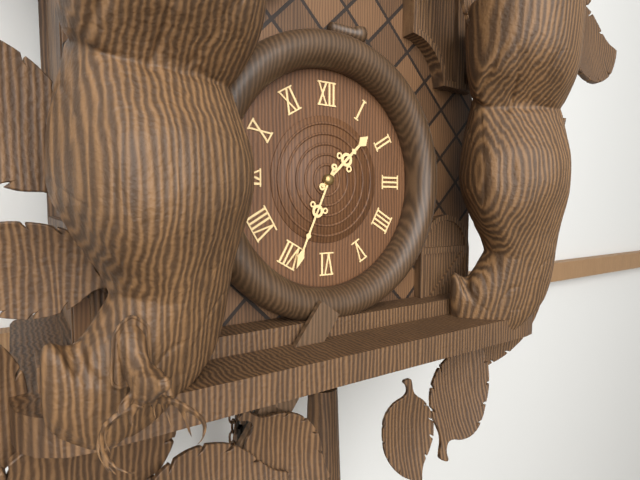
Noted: 1h34
